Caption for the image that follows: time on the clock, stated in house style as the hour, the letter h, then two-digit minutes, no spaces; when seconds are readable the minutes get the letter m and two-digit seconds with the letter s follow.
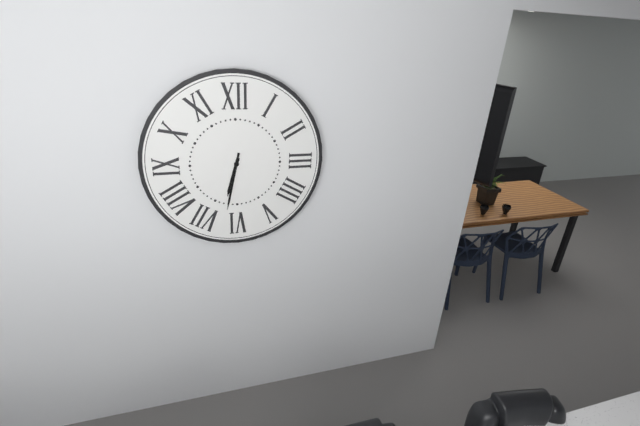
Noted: 6h32
